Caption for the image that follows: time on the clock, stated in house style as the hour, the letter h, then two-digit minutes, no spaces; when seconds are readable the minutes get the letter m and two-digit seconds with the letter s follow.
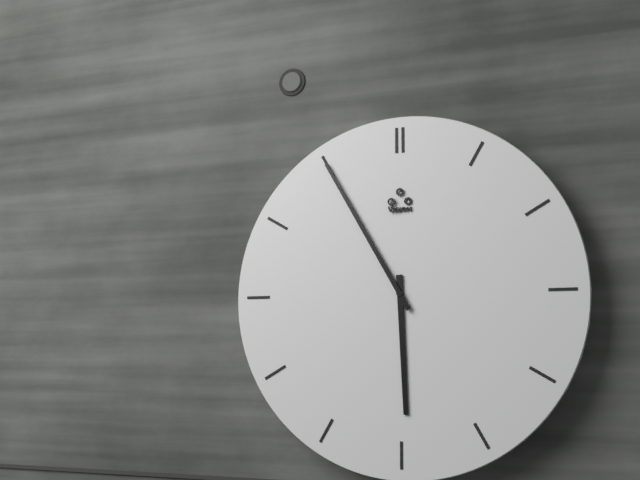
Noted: 5h55
